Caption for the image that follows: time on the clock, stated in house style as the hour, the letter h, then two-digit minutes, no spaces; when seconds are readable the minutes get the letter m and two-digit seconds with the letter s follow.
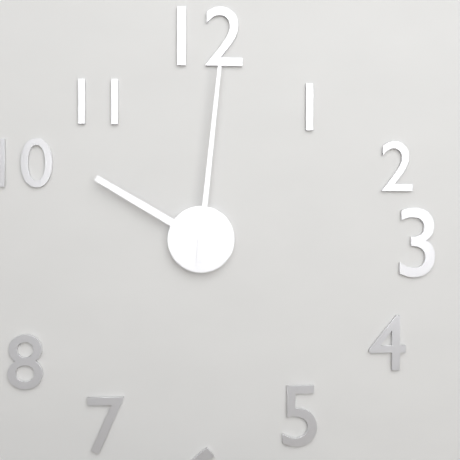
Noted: 10h01
